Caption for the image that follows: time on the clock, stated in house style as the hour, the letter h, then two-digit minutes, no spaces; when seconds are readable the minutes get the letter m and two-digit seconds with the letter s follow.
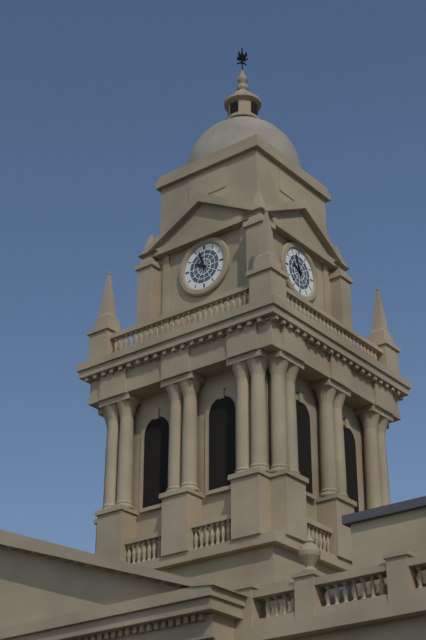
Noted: 9h57
